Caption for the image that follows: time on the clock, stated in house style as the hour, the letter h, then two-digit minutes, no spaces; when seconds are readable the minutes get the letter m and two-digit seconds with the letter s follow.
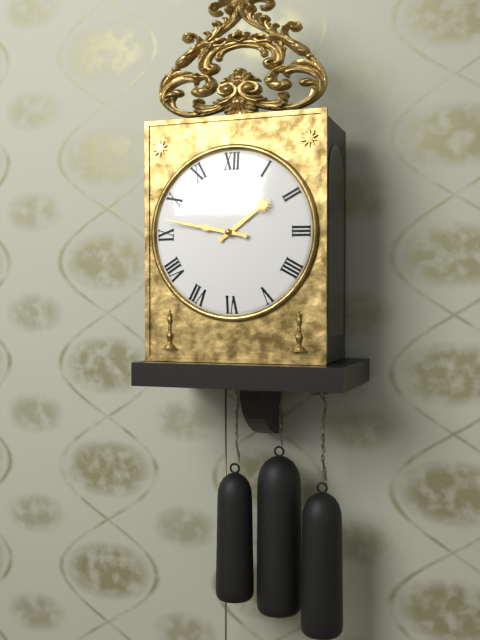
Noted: 1h47
